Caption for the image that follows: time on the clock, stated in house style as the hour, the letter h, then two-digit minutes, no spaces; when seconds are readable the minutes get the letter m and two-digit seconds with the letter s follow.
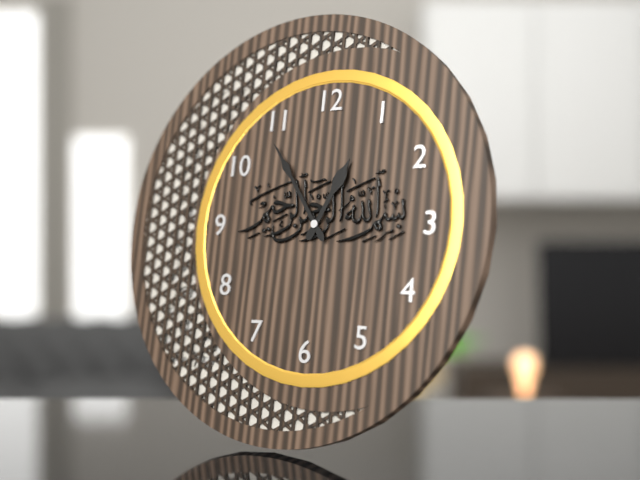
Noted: 12h54
